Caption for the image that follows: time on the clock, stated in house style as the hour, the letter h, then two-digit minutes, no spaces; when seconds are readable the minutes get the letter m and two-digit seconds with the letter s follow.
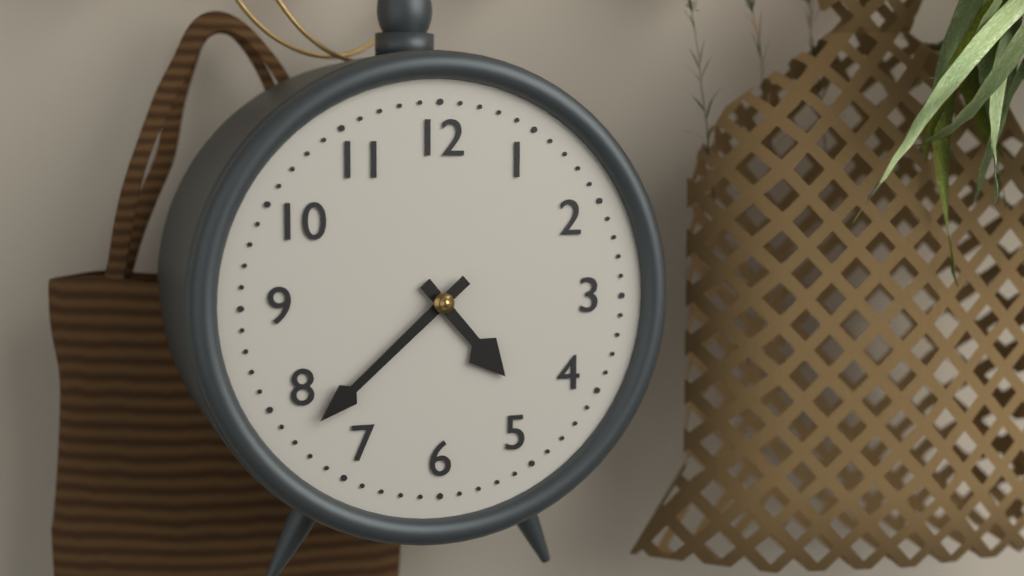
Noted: 4h38
